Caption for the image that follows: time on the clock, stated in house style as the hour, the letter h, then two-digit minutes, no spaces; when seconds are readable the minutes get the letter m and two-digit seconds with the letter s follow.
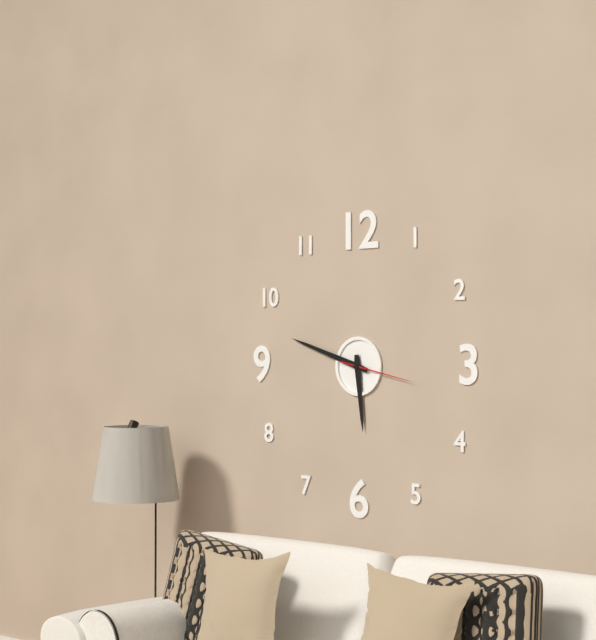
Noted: 5h48m17s
